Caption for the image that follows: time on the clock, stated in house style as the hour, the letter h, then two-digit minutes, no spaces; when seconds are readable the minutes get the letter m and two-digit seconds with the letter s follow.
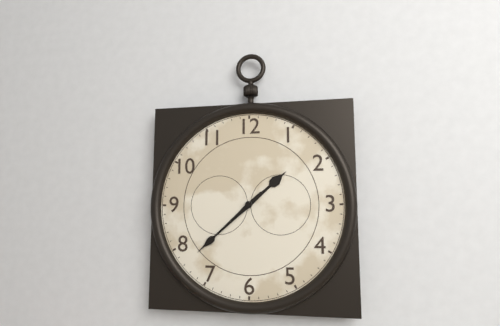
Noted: 1h38
